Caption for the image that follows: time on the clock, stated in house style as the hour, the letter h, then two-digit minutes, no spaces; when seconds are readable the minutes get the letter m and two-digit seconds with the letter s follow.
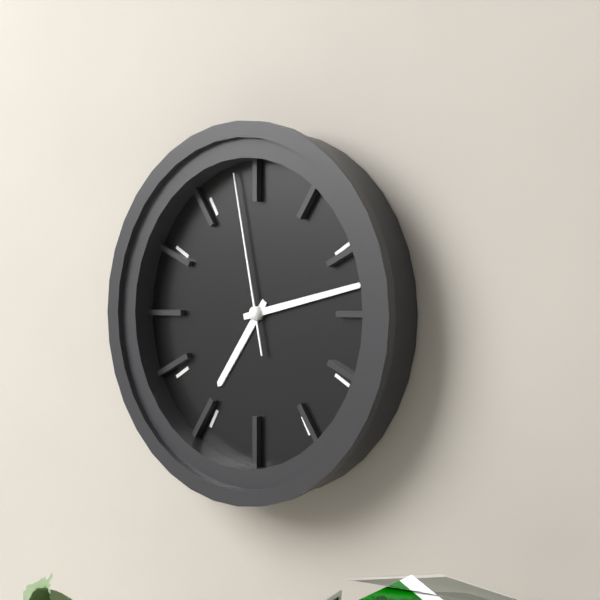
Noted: 7h13m58s
